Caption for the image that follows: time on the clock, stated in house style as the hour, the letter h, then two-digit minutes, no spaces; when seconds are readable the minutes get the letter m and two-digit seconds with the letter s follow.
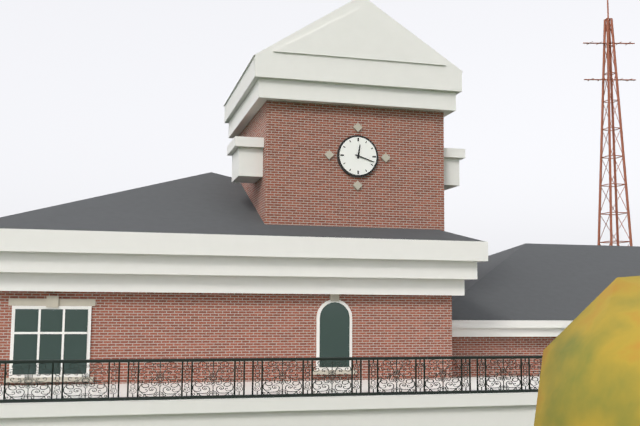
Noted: 12h18
